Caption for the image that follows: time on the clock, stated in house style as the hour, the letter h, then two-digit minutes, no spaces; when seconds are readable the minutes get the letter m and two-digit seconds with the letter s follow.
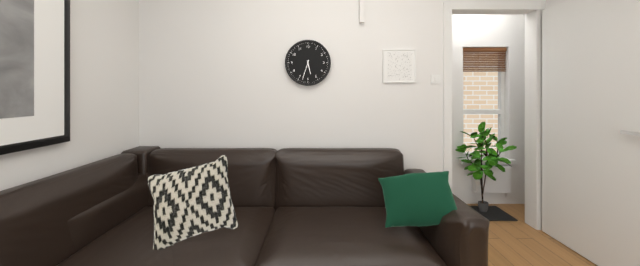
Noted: 5h33
